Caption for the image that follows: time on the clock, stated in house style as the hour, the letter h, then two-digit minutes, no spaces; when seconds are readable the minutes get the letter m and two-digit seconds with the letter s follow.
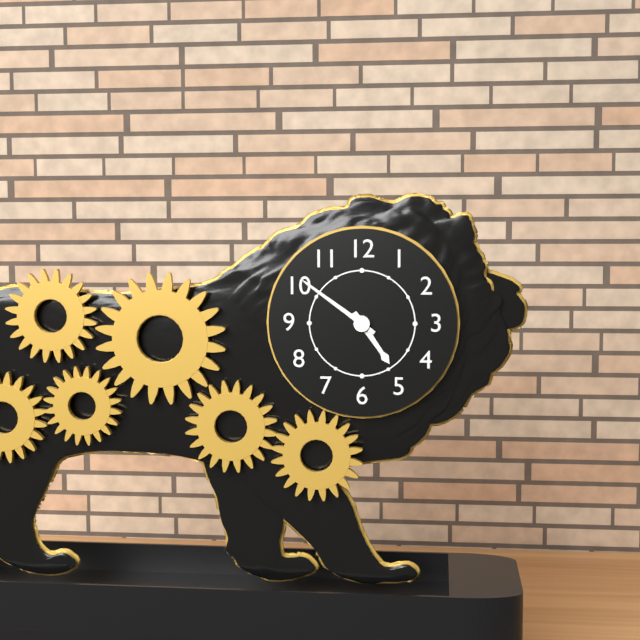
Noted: 4h51
